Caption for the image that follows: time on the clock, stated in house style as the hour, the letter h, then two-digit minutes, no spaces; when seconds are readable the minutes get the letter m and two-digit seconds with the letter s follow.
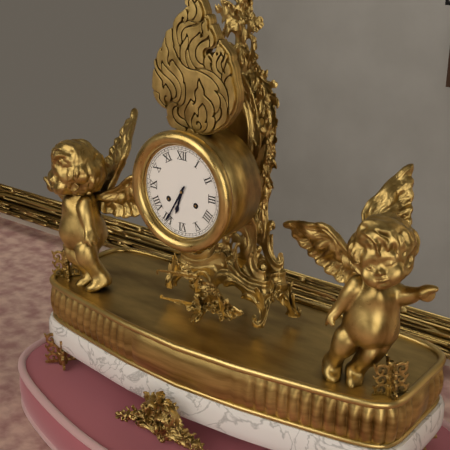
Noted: 6h35
